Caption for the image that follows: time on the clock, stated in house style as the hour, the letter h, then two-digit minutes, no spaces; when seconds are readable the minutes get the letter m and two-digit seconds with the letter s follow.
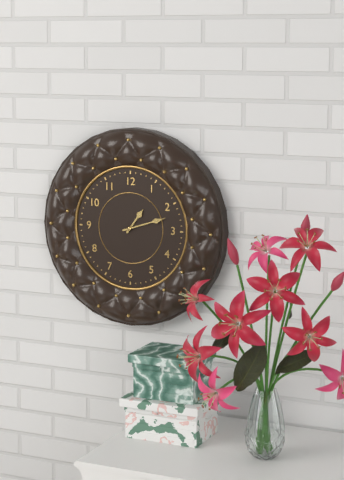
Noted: 1h12
